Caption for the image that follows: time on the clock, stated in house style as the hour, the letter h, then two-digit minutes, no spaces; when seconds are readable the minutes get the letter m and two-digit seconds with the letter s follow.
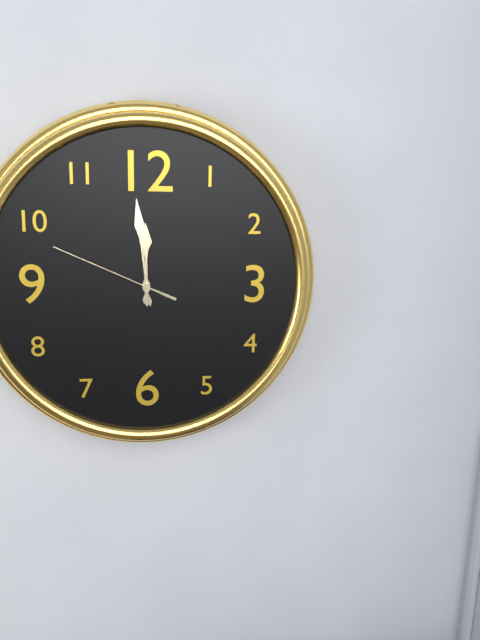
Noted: 11h59m49s
